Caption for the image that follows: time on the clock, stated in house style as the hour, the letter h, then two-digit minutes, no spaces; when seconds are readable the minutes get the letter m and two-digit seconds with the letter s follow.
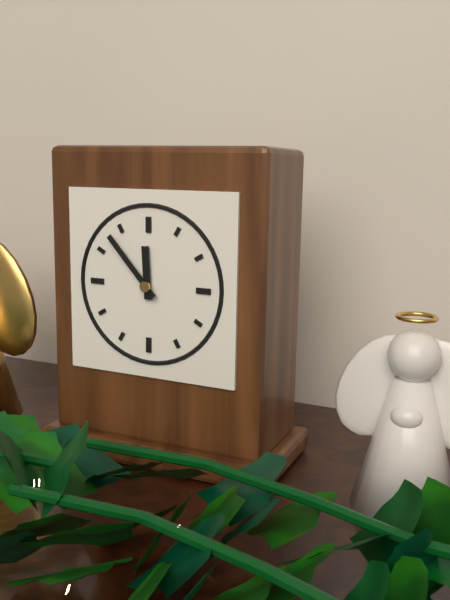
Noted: 11h53
